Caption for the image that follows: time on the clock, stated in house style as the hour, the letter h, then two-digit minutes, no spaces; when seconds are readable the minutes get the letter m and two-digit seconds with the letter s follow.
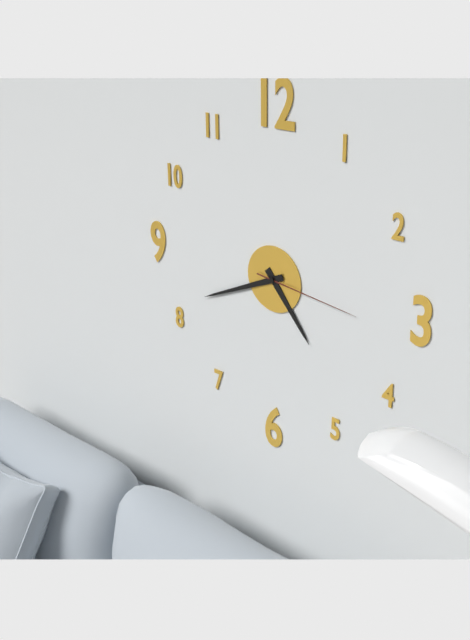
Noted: 4h41m16s
